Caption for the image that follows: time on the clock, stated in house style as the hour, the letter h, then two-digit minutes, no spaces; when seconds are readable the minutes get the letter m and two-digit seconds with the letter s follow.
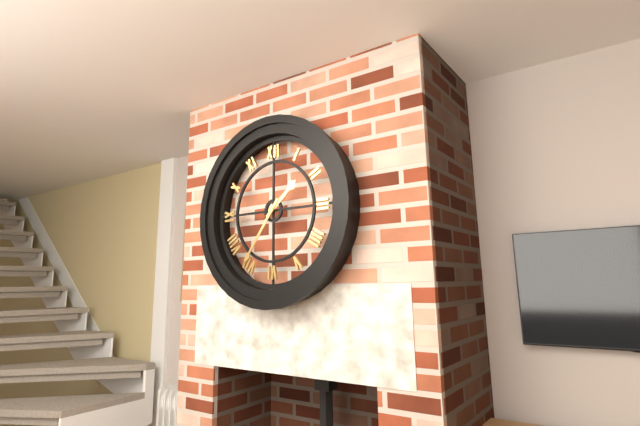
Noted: 1h36
